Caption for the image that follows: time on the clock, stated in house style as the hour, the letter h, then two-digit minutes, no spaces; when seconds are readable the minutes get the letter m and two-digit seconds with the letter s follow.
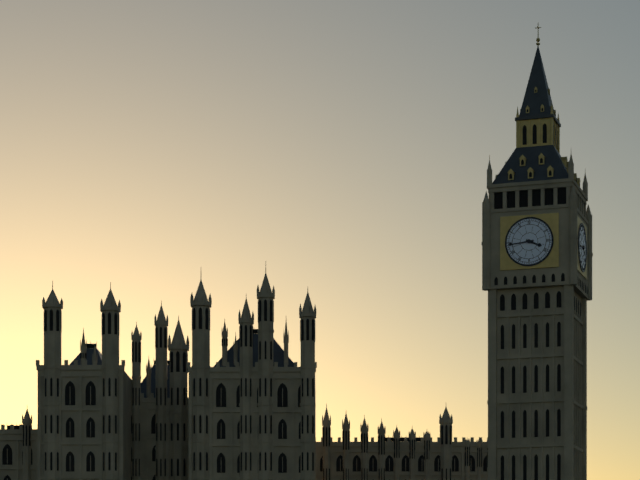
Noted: 3h44
